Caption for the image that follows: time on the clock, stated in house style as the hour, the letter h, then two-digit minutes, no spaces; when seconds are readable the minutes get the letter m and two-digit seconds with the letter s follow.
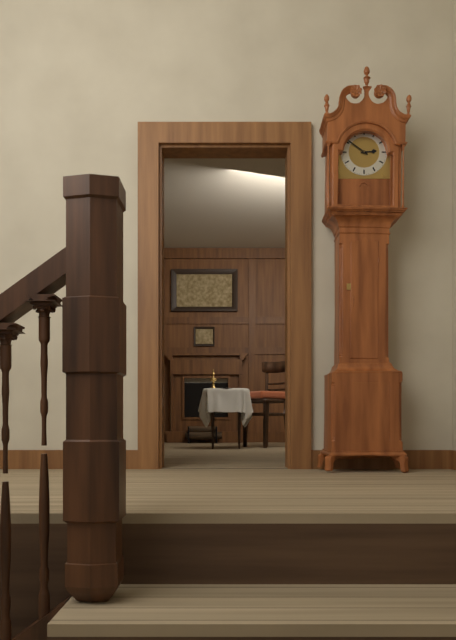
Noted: 2h51
